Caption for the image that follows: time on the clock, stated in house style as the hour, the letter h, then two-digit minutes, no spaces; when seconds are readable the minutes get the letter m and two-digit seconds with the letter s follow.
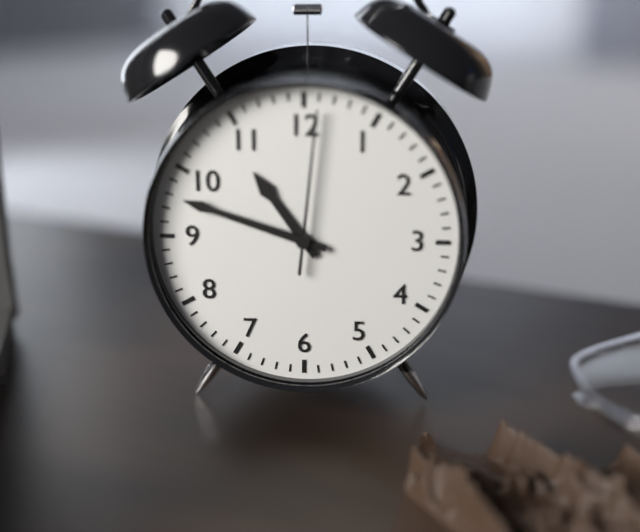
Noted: 10h48m01s
